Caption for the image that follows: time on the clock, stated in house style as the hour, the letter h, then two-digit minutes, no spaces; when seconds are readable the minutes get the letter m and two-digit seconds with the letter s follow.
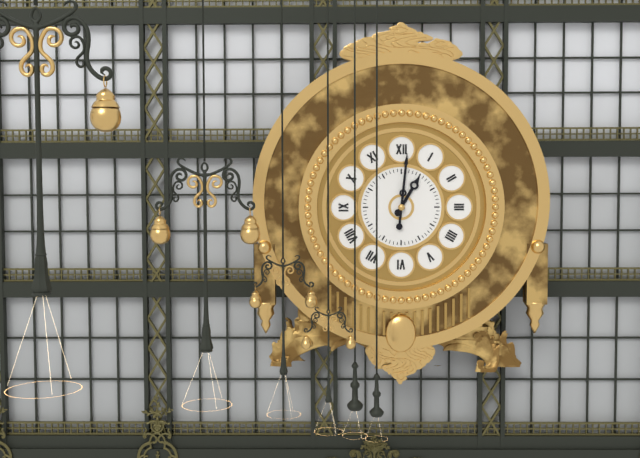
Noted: 1h01
